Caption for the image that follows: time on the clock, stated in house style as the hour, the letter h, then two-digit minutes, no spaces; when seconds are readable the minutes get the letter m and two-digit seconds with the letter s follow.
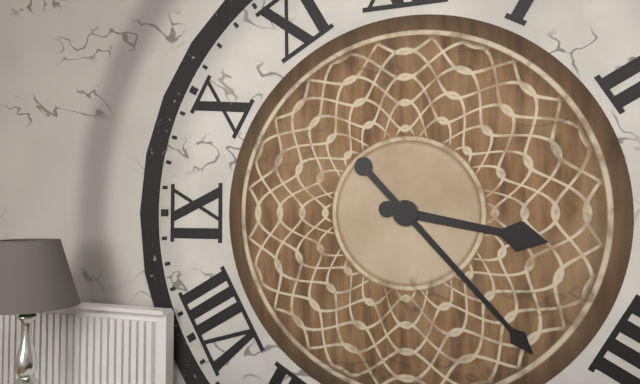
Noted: 3h23
